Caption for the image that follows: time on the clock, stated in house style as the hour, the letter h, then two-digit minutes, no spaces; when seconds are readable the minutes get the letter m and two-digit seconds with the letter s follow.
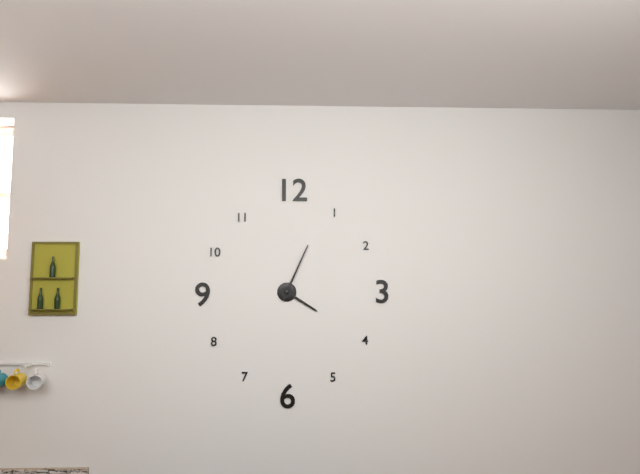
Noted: 4h04
